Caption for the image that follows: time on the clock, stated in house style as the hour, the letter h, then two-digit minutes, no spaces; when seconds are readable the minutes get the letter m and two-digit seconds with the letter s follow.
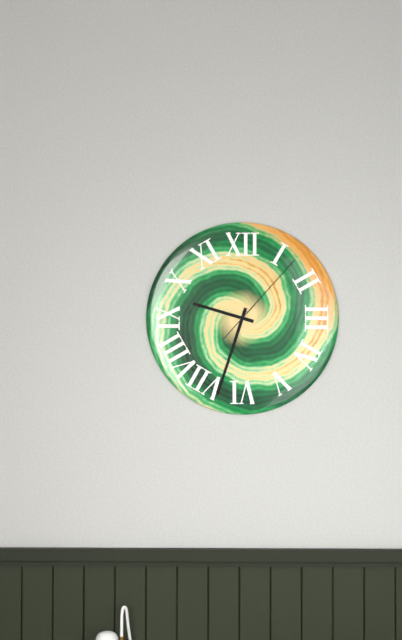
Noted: 9h33m07s
